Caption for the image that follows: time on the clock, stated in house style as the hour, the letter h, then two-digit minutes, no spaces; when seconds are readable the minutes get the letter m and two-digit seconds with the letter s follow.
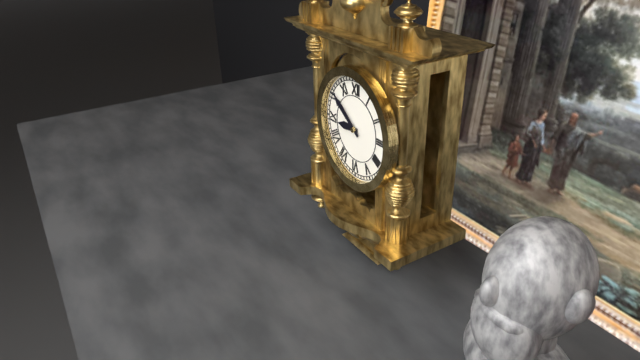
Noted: 8h51
